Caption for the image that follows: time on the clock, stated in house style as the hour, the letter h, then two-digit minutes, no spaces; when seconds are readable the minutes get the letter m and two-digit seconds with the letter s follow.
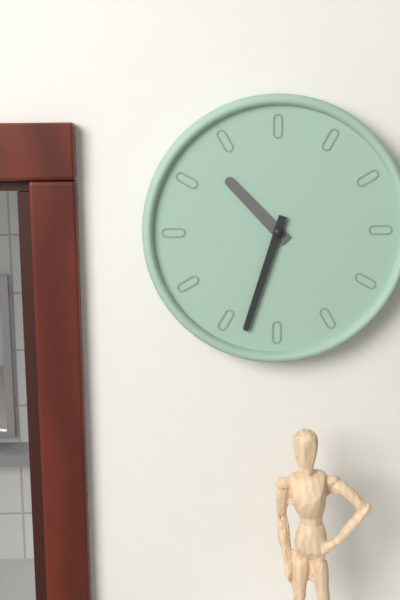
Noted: 10h33
